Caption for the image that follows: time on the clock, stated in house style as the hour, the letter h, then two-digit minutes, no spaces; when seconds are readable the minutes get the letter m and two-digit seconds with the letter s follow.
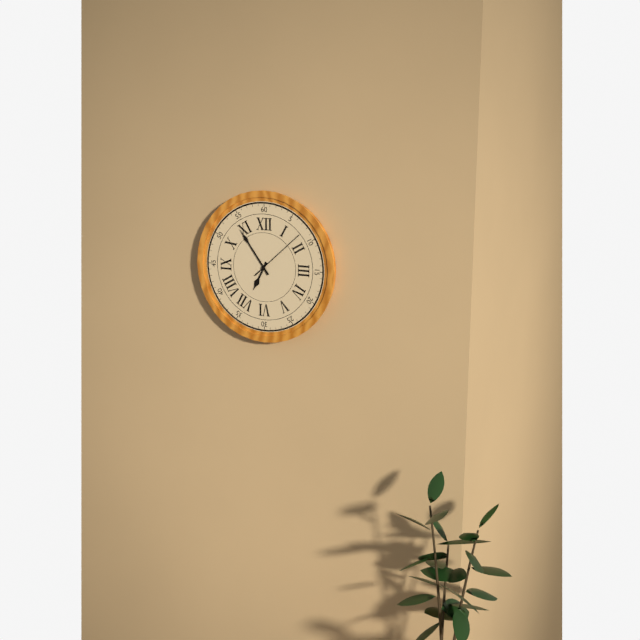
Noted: 6h54m08s
